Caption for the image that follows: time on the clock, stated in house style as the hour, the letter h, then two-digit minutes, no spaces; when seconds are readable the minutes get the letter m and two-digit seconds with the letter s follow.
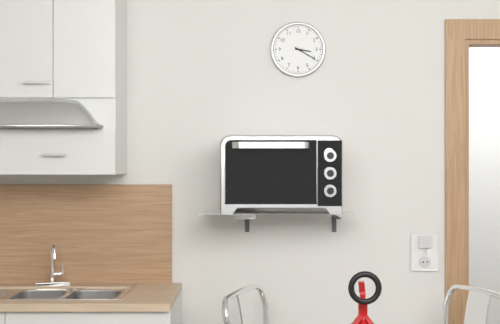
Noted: 3h20
